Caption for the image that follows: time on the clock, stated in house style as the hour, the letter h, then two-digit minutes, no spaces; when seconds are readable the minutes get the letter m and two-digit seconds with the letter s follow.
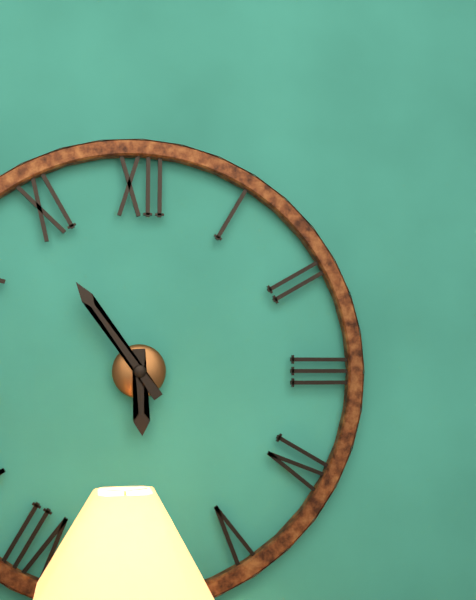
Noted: 5h54
